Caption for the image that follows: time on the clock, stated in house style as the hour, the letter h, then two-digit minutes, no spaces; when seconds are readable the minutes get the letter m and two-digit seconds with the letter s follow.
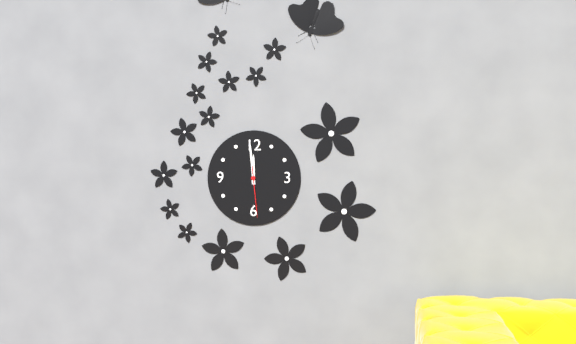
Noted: 11h59m29s
